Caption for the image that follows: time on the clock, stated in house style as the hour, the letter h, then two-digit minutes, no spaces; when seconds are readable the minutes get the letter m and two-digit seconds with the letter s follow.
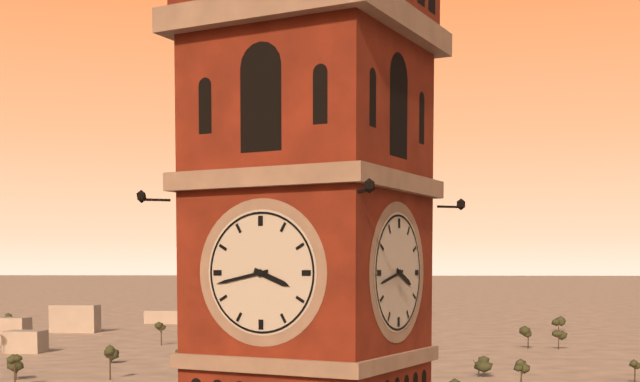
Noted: 3h43
